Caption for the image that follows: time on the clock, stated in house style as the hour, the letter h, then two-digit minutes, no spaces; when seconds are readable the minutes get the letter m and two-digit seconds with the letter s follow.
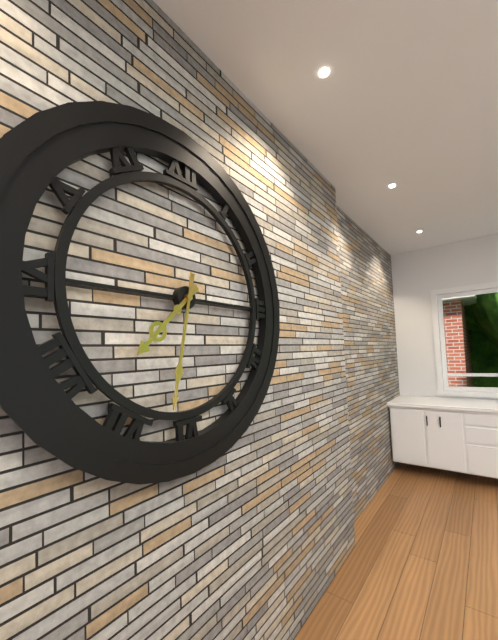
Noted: 7h32
